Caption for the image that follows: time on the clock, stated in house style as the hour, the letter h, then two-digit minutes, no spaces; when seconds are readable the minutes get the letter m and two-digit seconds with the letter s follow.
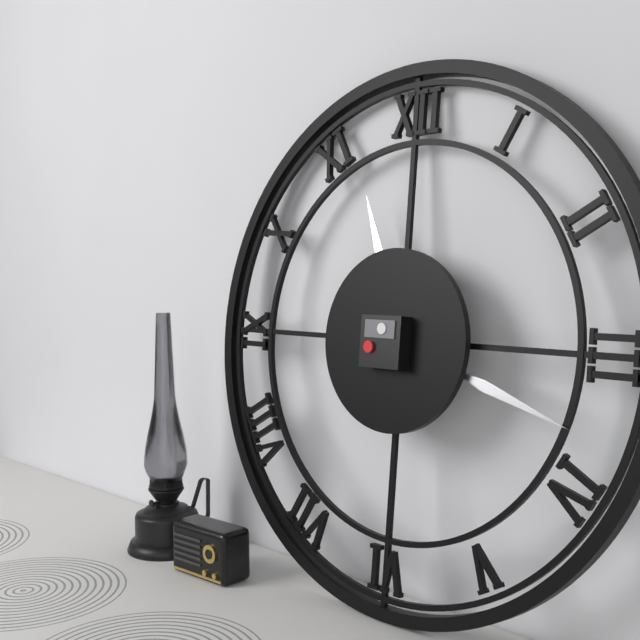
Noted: 11h18
